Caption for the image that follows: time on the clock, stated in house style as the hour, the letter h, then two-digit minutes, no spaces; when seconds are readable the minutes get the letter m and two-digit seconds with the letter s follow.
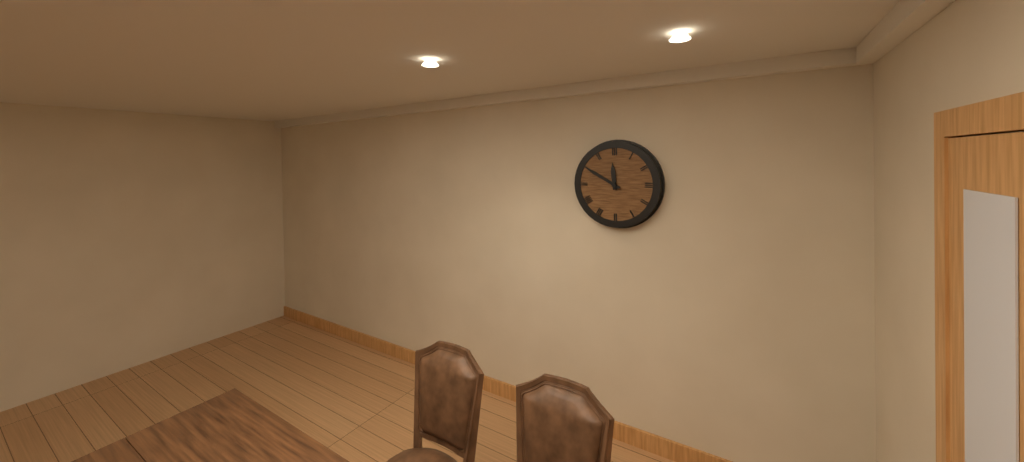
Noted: 11h50
